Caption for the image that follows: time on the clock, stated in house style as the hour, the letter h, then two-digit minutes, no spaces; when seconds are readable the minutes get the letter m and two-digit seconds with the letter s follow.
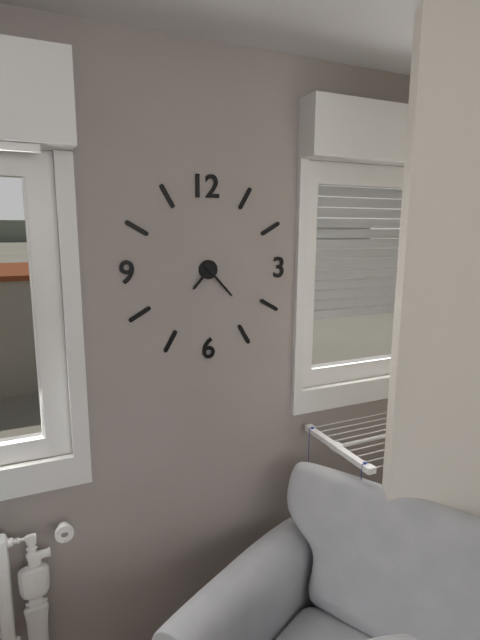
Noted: 7h23
